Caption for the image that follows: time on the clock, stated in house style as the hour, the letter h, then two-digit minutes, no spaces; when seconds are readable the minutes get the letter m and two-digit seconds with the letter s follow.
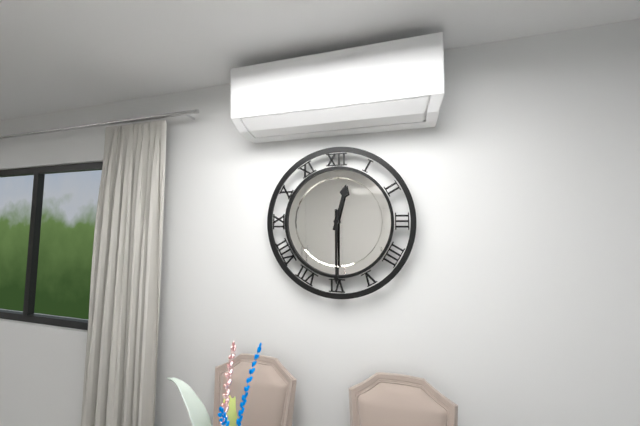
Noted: 12h30
